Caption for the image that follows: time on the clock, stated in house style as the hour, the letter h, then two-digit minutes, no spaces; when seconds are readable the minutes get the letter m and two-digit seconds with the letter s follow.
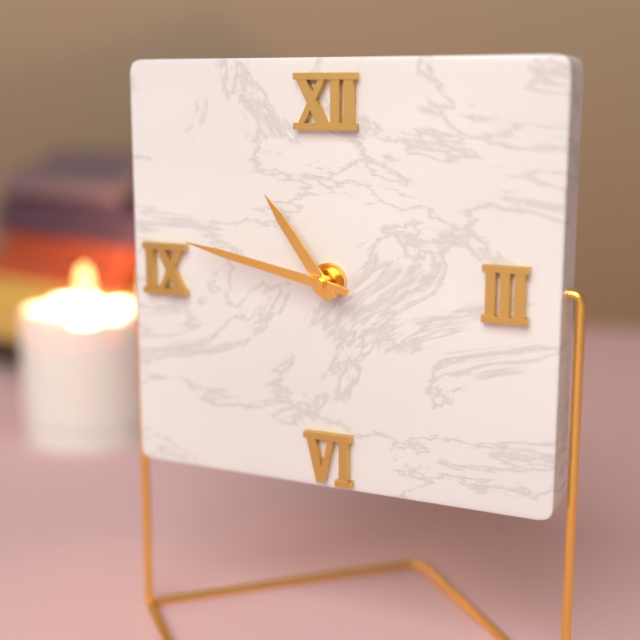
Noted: 10h47
